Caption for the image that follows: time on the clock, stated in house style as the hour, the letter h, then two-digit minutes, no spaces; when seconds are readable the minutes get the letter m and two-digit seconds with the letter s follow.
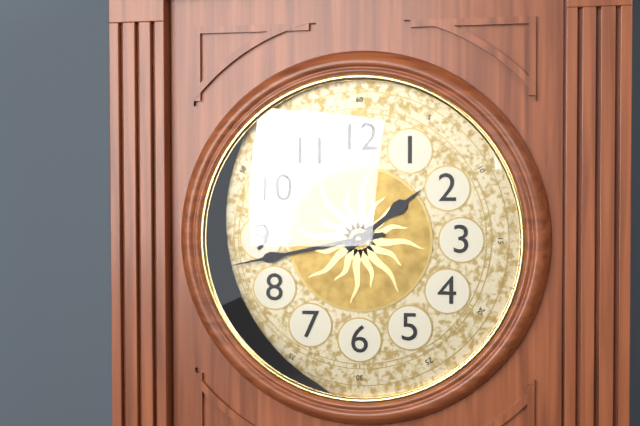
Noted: 1h43
